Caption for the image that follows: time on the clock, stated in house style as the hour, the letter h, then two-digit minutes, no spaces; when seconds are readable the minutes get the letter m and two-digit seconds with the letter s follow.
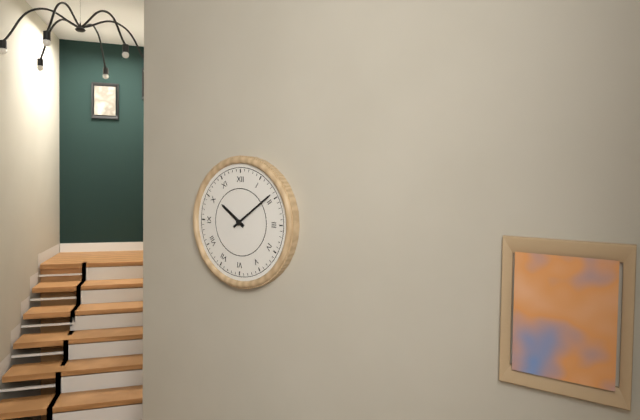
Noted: 10h09
